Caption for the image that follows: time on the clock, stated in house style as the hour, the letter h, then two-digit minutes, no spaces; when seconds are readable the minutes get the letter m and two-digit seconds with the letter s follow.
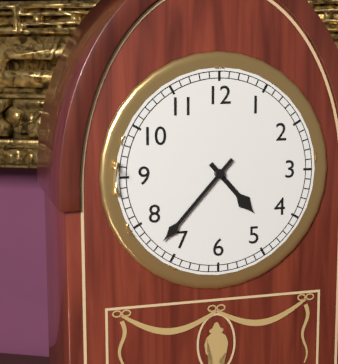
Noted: 4h37
